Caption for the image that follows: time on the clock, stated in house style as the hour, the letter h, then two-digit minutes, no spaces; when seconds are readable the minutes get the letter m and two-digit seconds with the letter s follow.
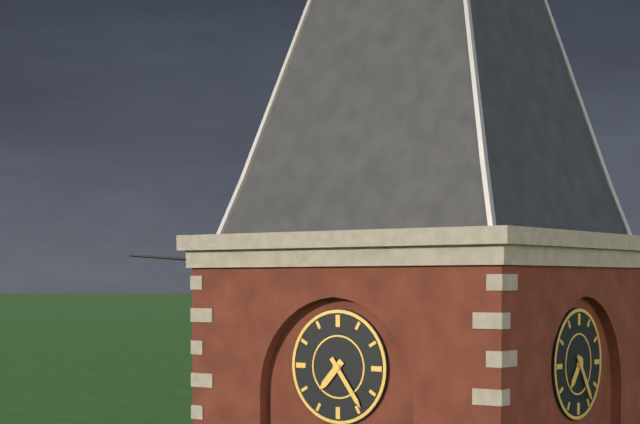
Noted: 7h24
